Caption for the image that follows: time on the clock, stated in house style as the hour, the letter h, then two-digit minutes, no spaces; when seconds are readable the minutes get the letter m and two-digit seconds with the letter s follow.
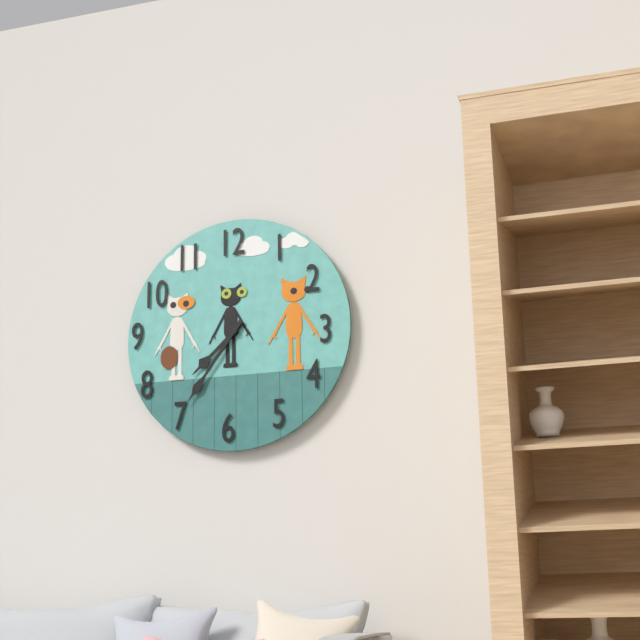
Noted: 7h36
